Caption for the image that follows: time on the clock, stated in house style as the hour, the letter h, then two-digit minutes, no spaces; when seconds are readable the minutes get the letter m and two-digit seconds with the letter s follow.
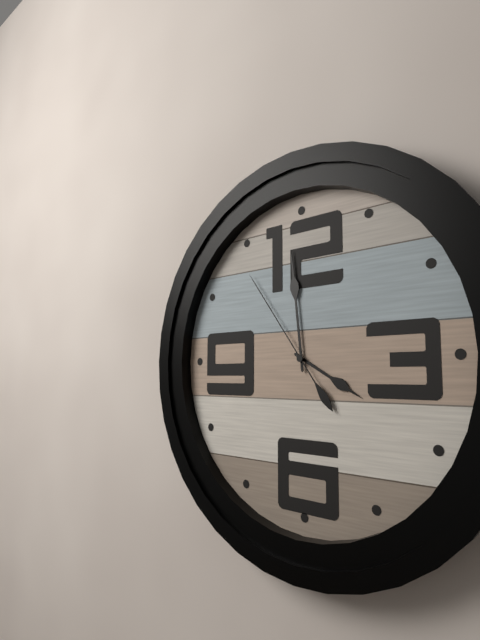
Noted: 3h59m54s
